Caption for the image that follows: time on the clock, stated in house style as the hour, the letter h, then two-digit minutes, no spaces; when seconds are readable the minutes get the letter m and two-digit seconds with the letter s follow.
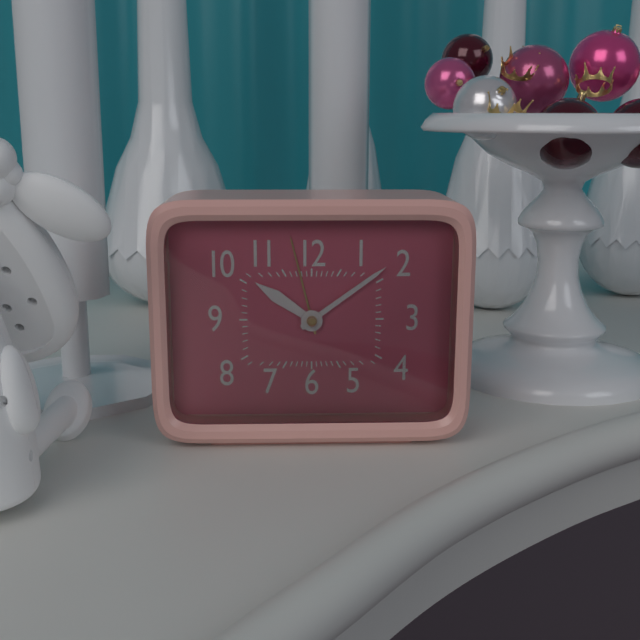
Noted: 10h09
